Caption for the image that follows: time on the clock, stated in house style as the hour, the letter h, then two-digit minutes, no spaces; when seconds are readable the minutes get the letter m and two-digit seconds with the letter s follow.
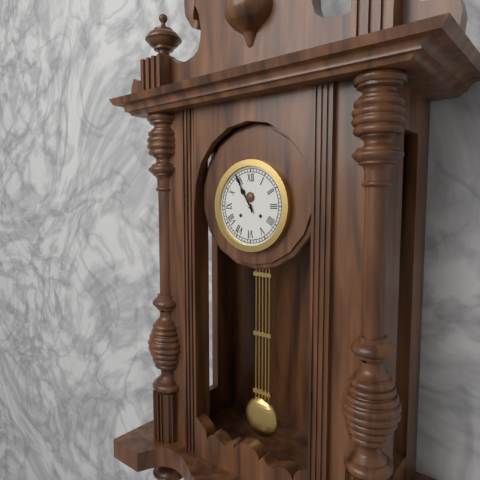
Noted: 10h55
